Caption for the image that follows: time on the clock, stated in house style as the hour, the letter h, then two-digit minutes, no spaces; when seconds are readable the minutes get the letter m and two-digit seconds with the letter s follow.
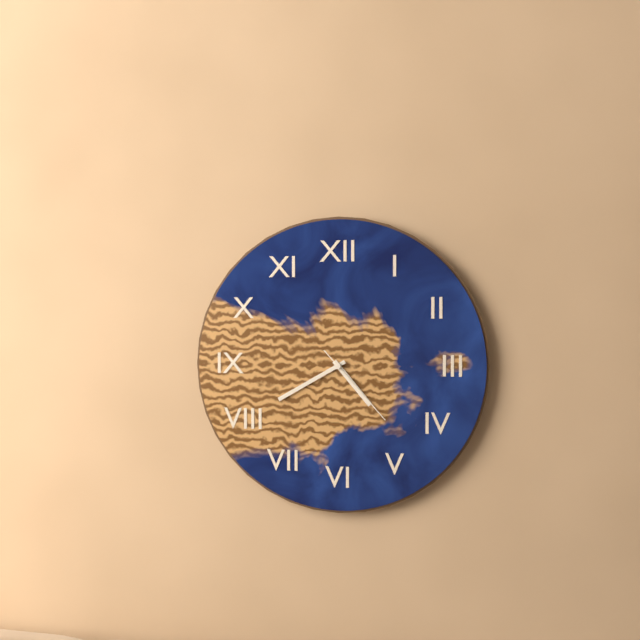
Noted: 4h40m23s
